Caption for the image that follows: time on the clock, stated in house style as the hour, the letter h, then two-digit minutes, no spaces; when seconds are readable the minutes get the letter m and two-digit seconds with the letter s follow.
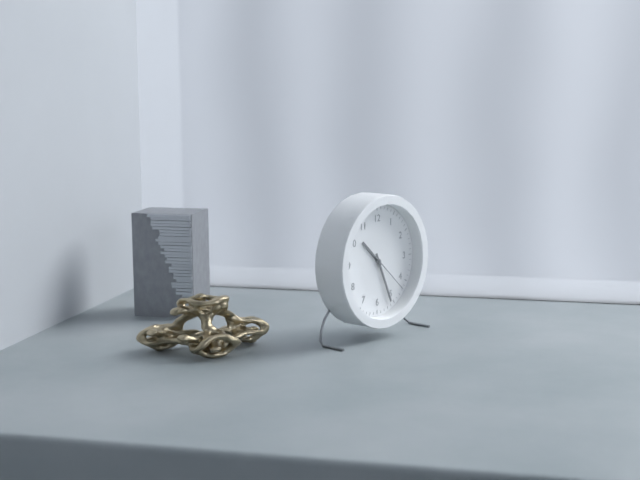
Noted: 10h26
